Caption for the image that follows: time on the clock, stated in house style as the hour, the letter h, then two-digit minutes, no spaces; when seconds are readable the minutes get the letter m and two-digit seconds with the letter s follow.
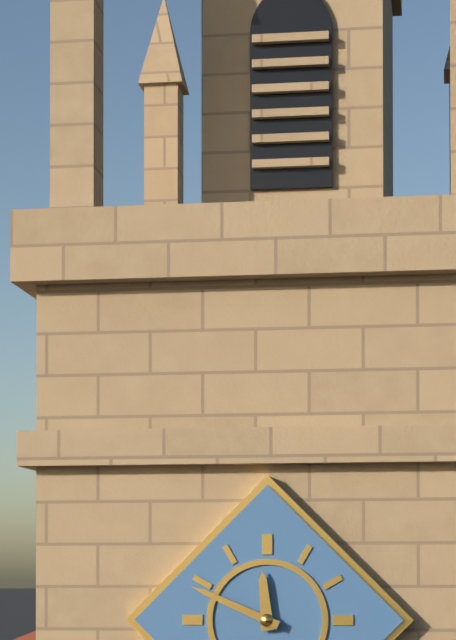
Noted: 11h49
